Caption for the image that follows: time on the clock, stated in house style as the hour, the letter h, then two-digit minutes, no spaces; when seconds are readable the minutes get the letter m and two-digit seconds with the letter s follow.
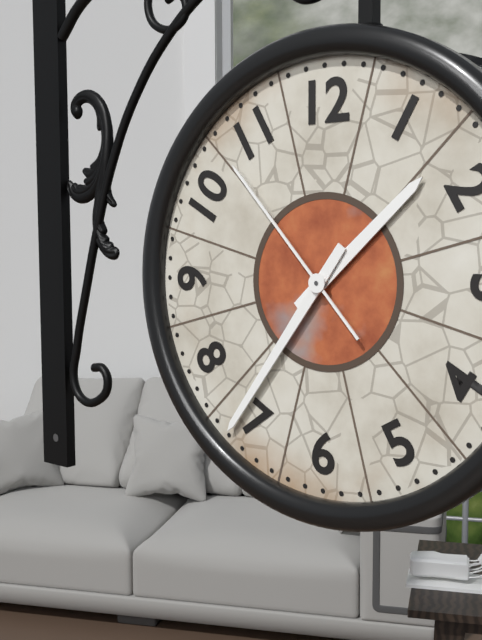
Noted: 1h36m53s
